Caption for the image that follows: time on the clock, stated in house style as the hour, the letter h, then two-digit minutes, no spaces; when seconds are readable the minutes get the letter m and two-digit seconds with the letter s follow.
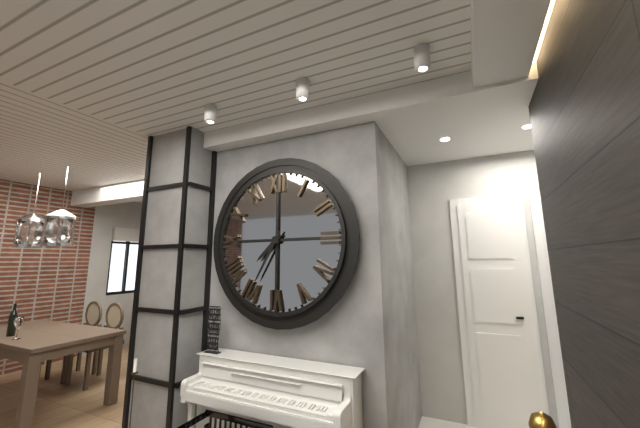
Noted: 7h35
